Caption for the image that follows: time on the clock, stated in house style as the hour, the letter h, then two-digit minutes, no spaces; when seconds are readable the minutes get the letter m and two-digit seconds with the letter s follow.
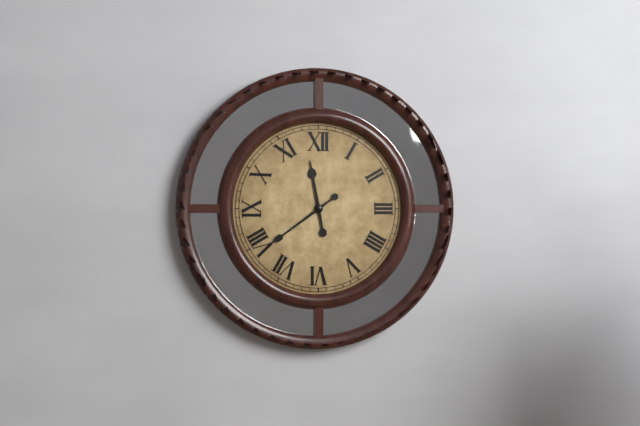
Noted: 11h39
